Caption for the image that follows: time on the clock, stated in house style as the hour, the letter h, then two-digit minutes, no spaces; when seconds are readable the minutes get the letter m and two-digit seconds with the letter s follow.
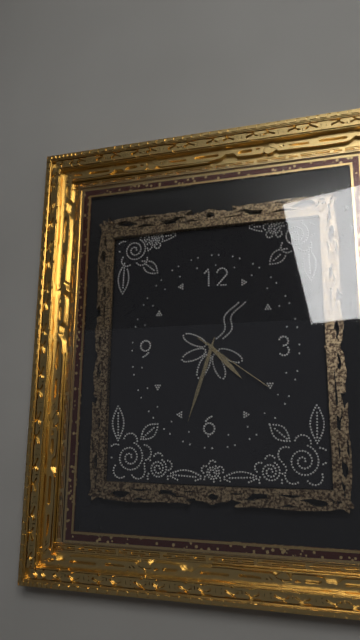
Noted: 4h33m21s
